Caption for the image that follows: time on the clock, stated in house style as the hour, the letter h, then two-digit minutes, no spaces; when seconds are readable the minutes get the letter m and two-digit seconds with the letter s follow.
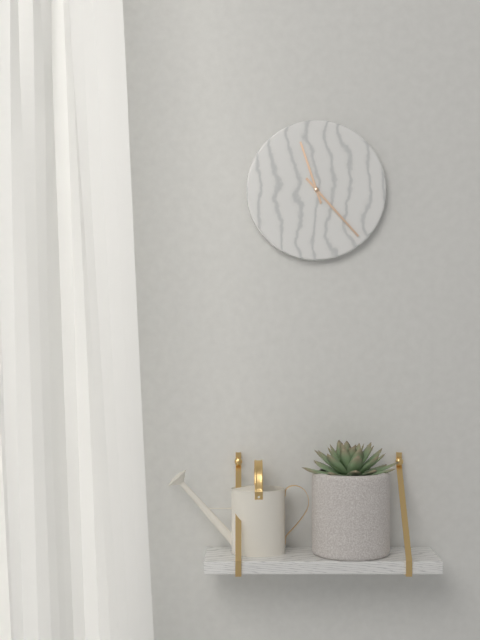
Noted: 11h23
